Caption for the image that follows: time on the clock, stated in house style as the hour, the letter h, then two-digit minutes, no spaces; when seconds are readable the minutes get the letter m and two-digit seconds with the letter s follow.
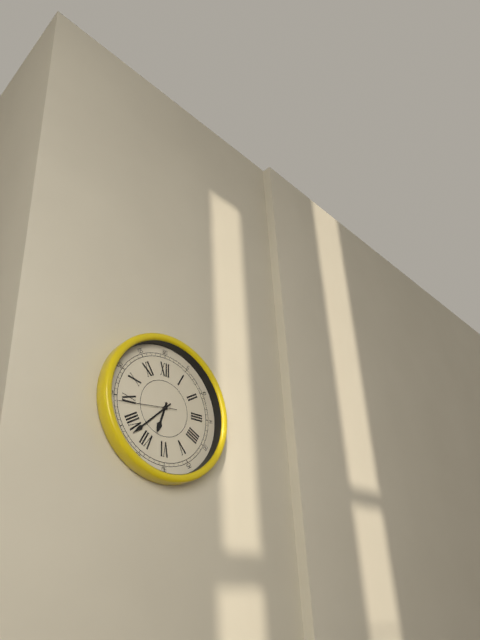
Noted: 6h38m44s
